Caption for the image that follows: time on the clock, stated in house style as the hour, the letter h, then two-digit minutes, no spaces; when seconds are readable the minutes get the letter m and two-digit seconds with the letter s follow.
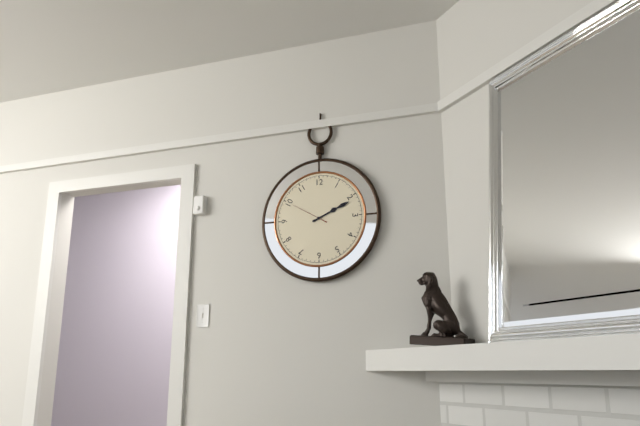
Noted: 2h11
